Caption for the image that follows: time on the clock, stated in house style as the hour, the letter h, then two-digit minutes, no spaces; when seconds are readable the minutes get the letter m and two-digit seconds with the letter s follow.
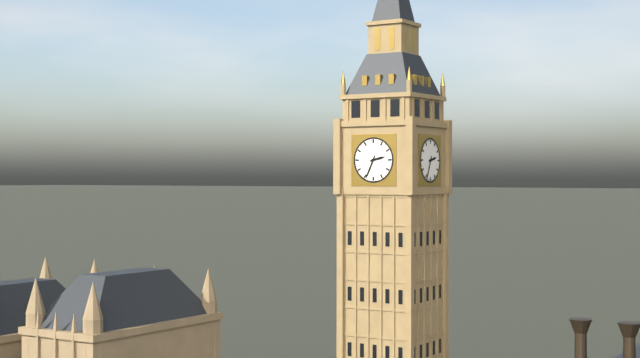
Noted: 2h34
